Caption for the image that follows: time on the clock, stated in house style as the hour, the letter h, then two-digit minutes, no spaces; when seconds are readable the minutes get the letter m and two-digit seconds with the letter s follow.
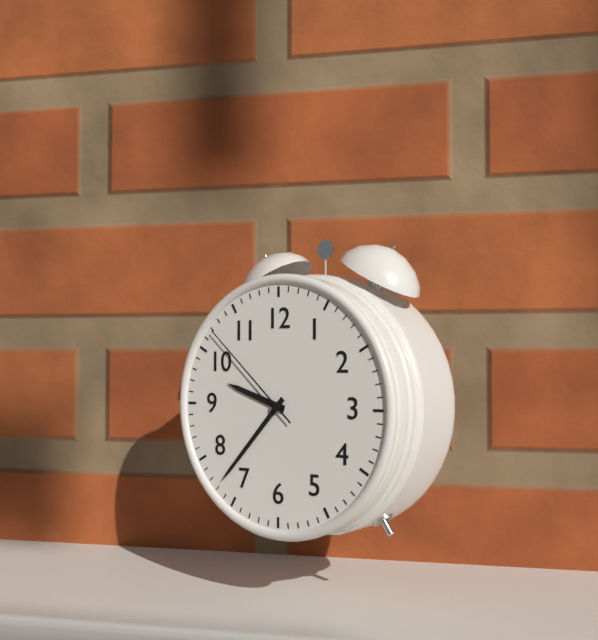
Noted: 9h37m52s
